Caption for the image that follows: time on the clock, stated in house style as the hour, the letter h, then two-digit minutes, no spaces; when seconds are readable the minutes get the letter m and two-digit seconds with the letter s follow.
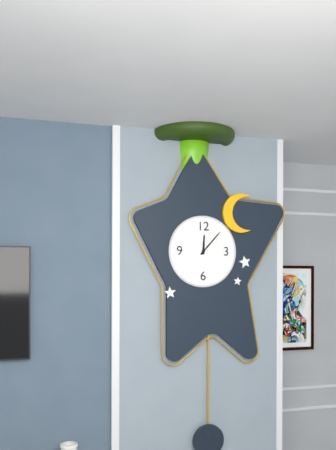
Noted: 12h07
